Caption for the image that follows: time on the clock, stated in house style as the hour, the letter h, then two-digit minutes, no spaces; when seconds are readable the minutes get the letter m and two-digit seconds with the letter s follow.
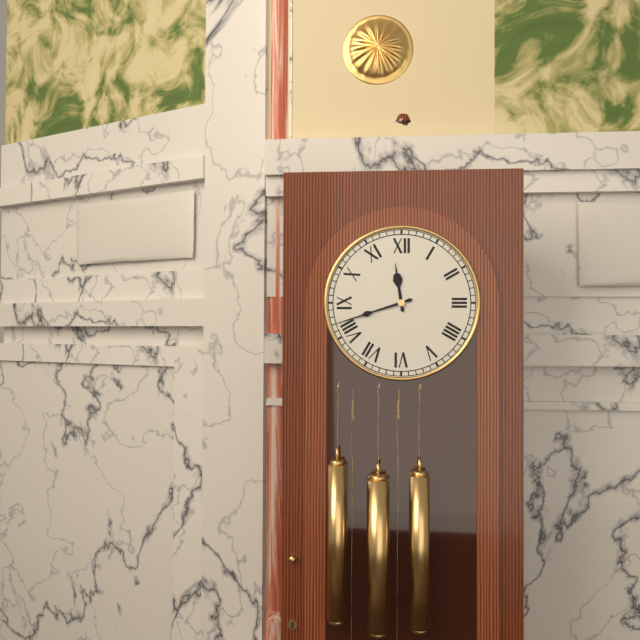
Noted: 11h42
